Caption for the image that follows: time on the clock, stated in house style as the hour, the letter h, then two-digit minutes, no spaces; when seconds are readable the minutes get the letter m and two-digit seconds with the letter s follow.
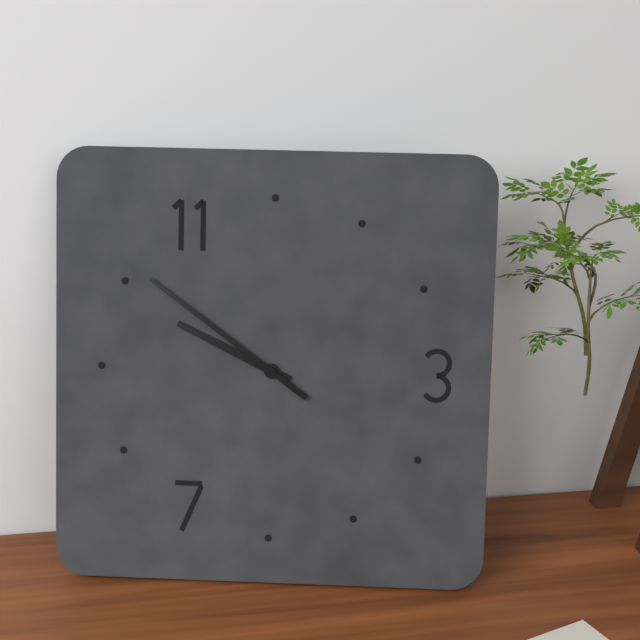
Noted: 9h51
